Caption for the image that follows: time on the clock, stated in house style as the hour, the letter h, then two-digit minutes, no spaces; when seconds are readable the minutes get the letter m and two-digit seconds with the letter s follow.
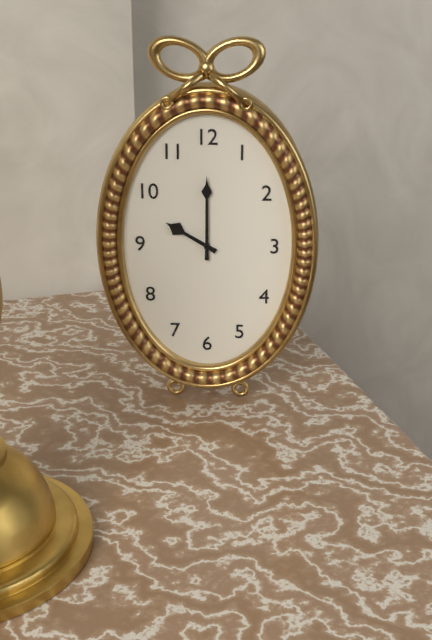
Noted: 10h00
